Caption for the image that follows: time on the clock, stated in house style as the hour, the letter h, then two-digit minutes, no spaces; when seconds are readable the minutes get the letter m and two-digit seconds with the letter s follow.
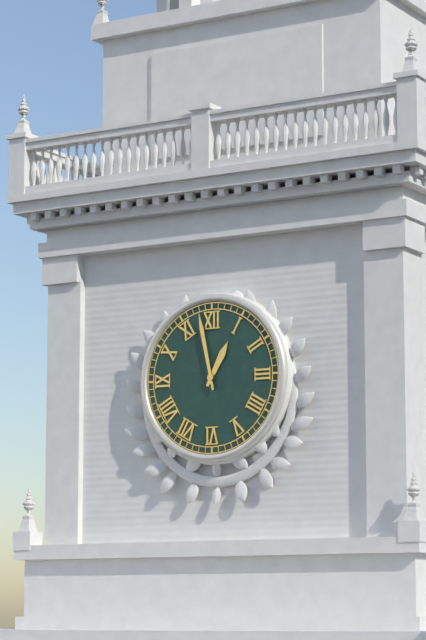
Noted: 12h58
